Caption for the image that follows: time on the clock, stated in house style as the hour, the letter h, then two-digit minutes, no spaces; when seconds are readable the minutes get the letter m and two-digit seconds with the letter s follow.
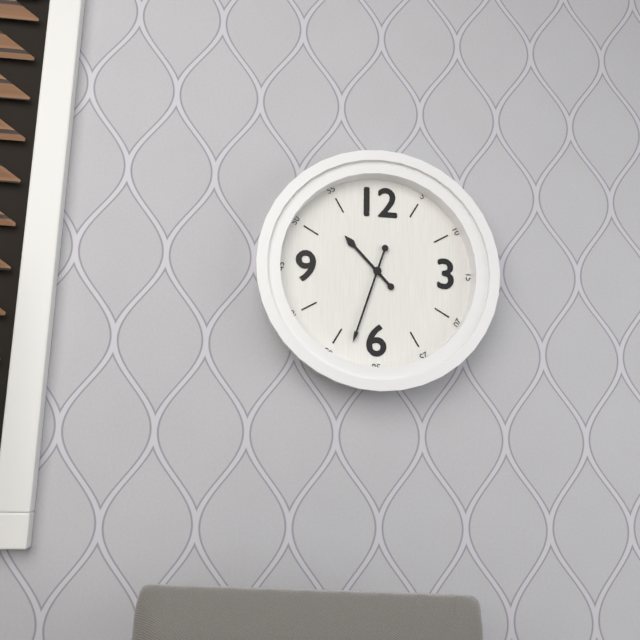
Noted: 10h33
